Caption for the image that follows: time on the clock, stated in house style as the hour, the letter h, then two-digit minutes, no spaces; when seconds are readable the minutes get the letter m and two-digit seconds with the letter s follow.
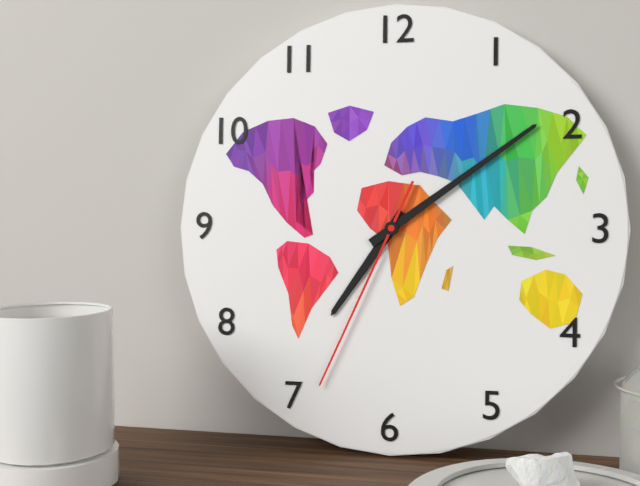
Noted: 7h09m34s
